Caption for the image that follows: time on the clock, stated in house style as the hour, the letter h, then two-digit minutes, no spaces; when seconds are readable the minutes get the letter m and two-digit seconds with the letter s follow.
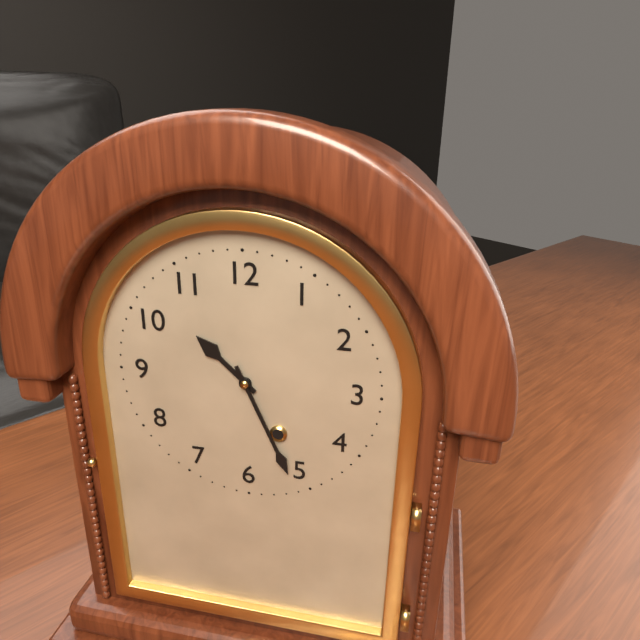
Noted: 10h26
